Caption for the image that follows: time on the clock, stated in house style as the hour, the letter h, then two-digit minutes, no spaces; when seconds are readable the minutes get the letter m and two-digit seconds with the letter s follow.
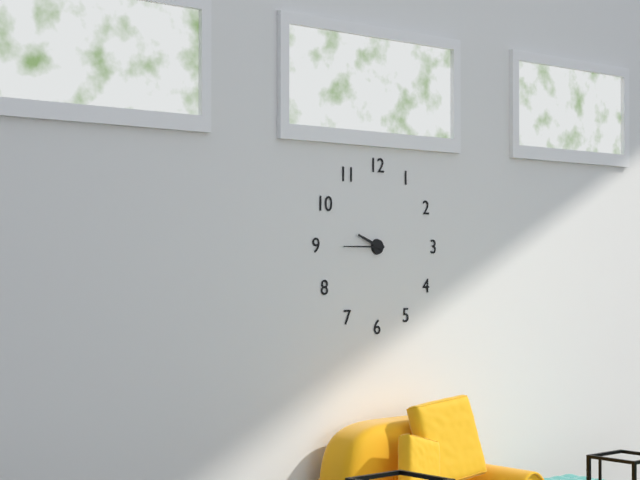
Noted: 9h45
